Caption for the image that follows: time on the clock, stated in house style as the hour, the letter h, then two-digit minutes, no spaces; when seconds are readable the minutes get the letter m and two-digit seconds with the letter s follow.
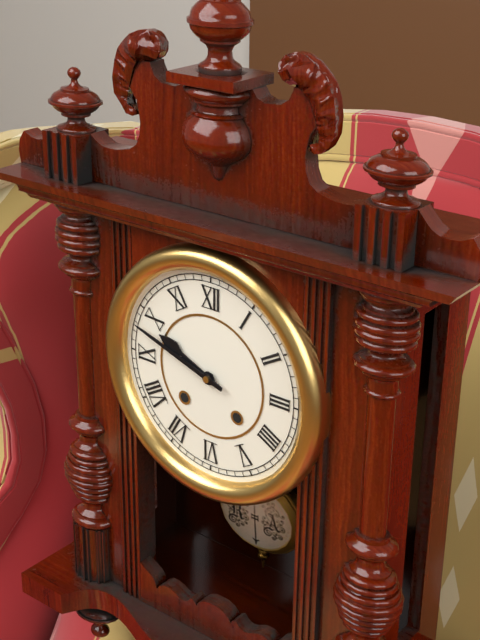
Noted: 9h48
